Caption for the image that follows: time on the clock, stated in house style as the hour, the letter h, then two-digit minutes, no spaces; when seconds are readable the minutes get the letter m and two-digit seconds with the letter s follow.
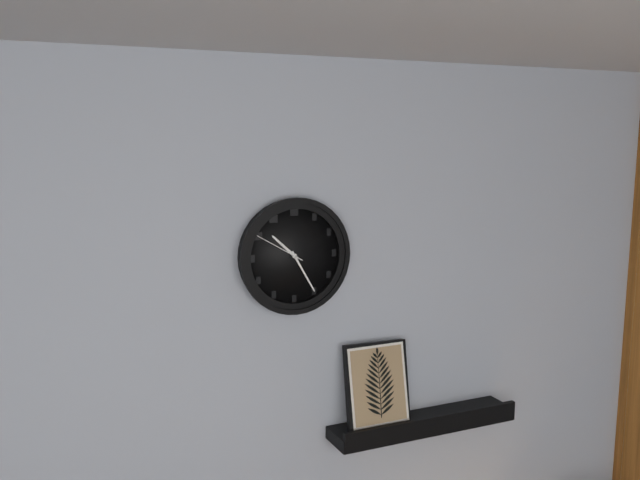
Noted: 10h25m50s
